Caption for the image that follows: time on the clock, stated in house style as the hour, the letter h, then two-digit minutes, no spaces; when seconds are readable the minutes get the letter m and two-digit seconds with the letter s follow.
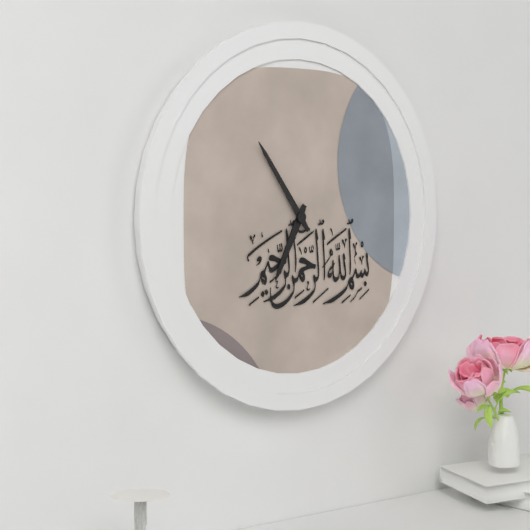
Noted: 6h54
